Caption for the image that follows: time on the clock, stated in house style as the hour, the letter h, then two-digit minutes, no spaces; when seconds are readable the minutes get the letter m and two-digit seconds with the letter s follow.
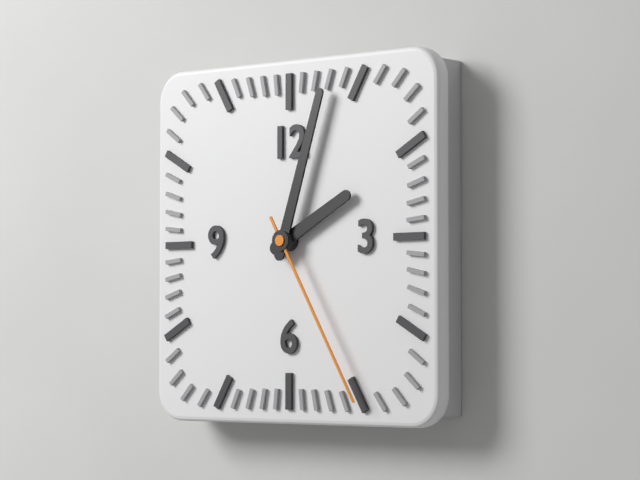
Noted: 2h03m25s
